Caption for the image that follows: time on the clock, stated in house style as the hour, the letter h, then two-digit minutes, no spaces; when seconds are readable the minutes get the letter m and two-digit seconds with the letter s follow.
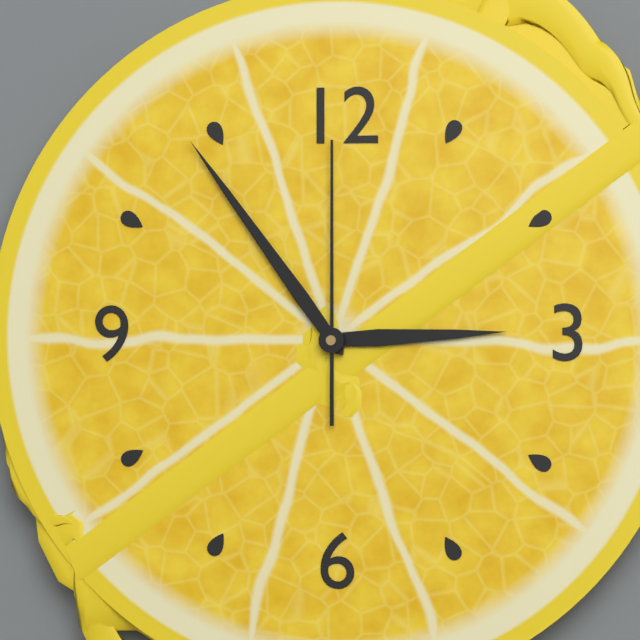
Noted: 2h54m00s
